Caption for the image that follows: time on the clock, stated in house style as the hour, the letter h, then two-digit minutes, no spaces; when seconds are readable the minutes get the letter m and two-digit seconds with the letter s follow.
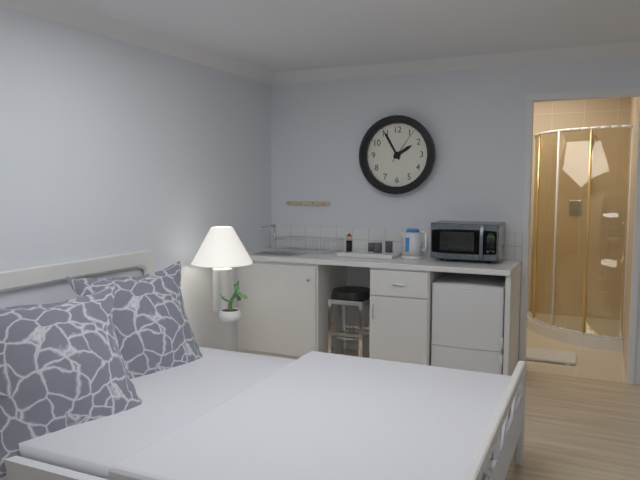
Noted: 1h55
